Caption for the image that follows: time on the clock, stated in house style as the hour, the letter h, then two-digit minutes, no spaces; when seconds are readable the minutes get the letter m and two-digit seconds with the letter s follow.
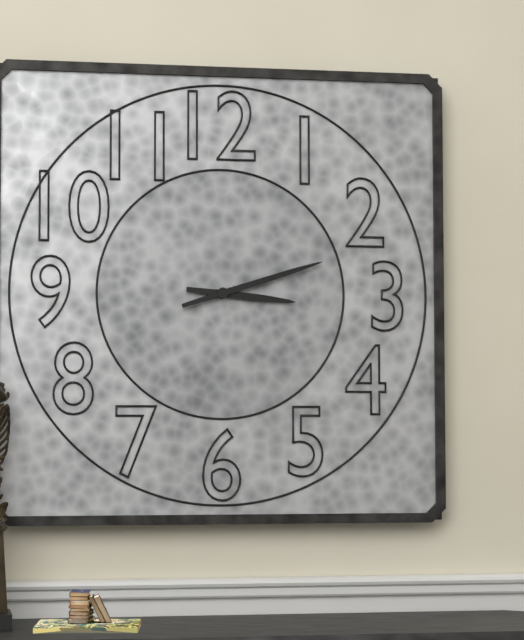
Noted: 3h12
